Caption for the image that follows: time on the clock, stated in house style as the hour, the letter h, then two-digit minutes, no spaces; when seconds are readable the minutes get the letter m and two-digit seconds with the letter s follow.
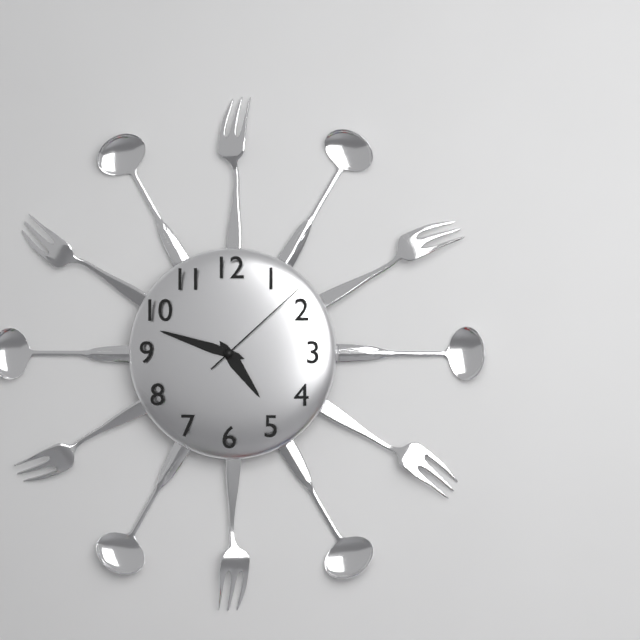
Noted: 4h48m08s
